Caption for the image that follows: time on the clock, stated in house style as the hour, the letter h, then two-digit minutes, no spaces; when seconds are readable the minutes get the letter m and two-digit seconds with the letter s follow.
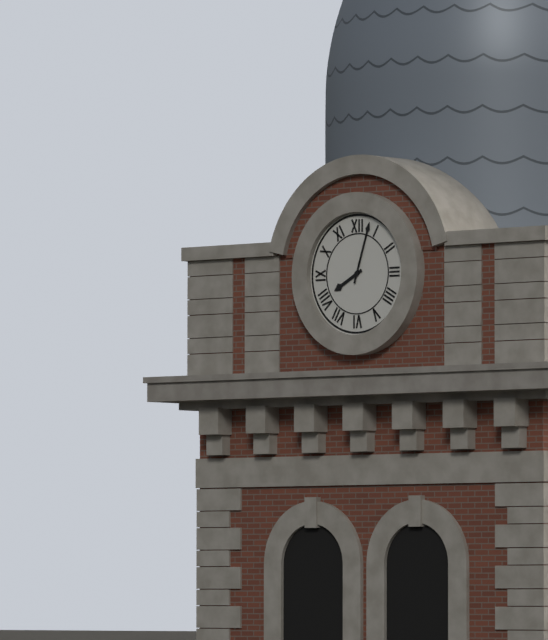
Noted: 8h03
